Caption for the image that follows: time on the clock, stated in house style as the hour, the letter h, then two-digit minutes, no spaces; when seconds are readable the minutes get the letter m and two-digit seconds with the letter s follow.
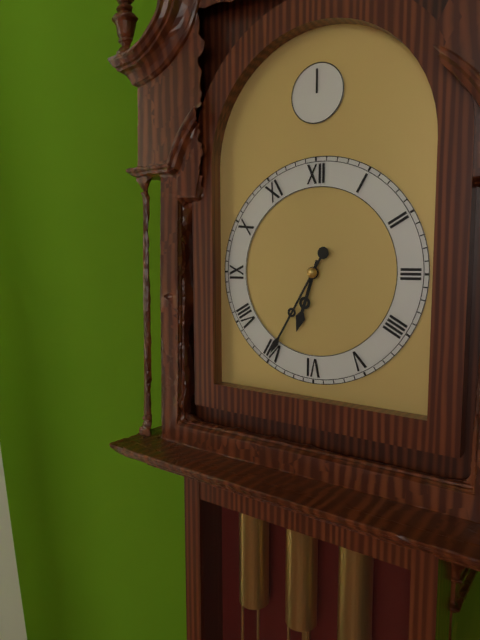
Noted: 6h35
